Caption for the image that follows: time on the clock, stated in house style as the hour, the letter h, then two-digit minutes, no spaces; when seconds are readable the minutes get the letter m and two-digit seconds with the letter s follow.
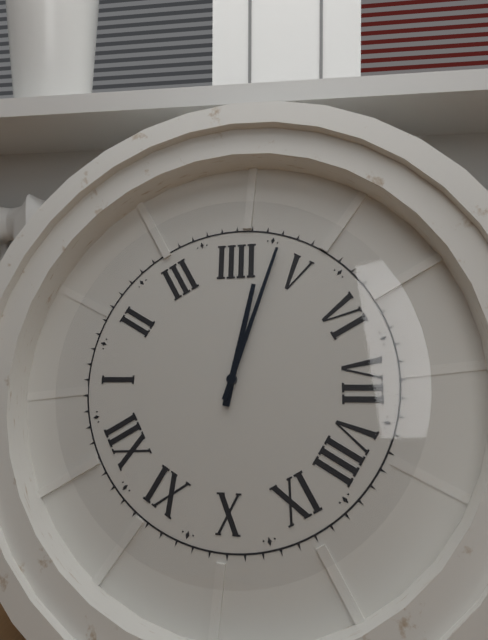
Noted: 4h23
